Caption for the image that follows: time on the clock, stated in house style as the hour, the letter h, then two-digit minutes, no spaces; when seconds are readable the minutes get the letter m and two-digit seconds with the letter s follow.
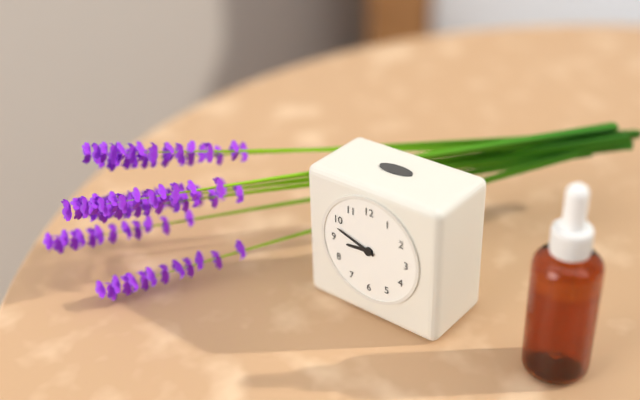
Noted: 8h48
